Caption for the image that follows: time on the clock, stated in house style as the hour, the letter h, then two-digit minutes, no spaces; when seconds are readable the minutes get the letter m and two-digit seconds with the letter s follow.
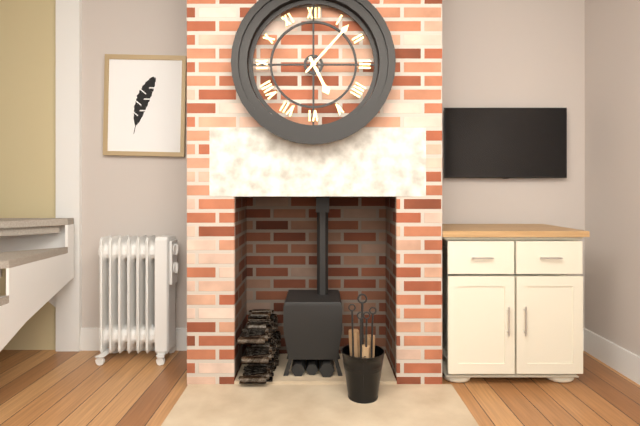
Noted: 5h07
